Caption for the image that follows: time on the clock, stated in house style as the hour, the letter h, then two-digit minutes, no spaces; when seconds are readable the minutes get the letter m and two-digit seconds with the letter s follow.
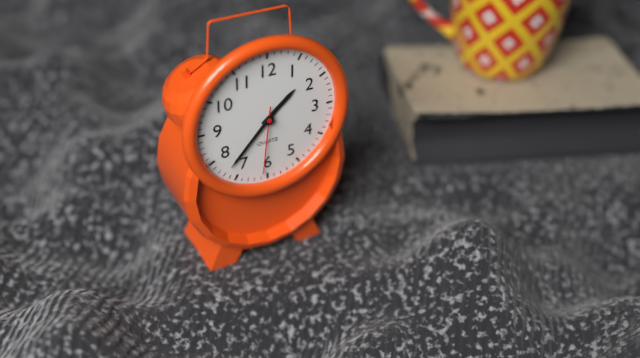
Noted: 1h37m31s
